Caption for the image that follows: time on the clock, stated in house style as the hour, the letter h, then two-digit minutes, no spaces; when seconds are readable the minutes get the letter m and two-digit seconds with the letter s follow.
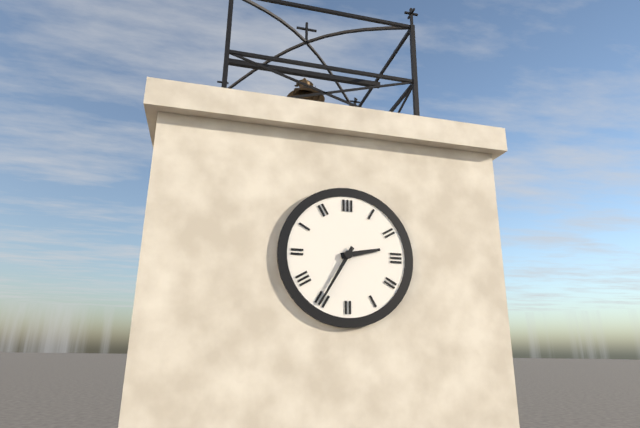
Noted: 2h35
